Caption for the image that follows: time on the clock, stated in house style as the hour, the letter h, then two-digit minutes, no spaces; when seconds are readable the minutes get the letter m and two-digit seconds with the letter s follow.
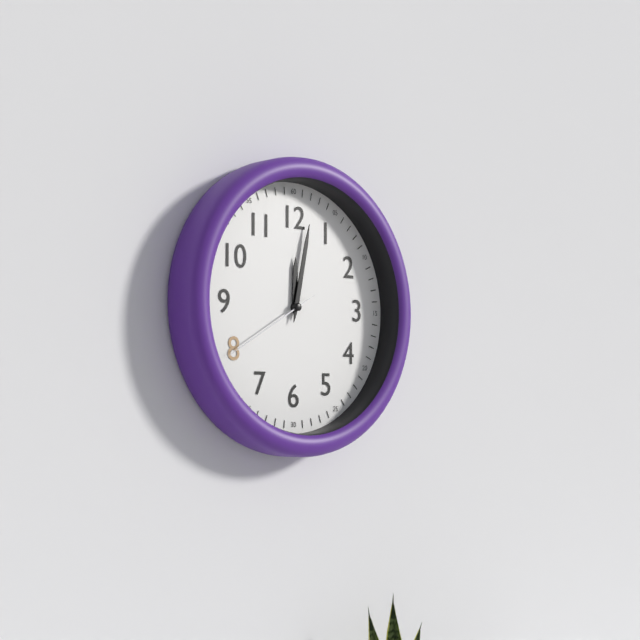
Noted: 12h02m40s
